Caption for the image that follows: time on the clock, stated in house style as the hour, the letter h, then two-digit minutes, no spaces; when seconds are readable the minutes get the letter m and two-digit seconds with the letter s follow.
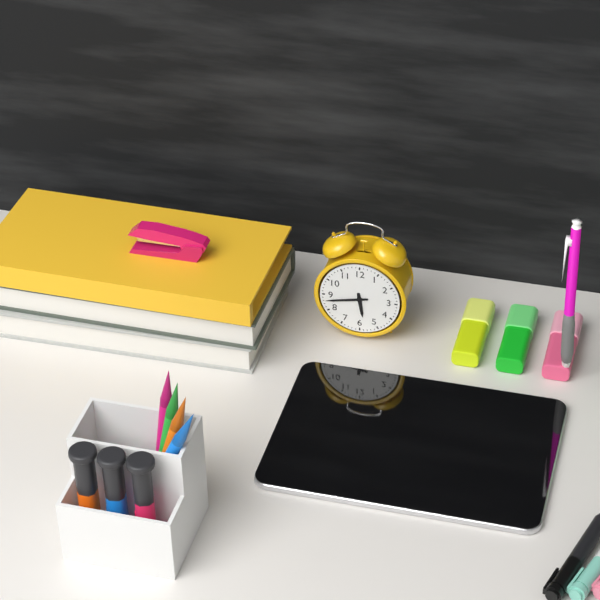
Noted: 5h43
